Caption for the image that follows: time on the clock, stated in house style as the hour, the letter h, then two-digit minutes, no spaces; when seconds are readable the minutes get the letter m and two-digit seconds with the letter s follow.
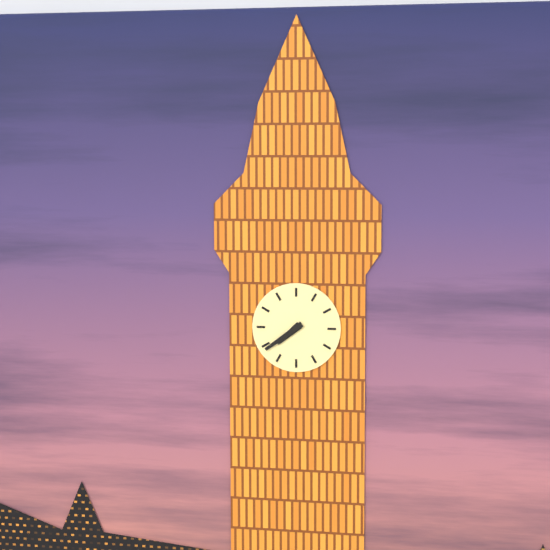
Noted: 7h39
